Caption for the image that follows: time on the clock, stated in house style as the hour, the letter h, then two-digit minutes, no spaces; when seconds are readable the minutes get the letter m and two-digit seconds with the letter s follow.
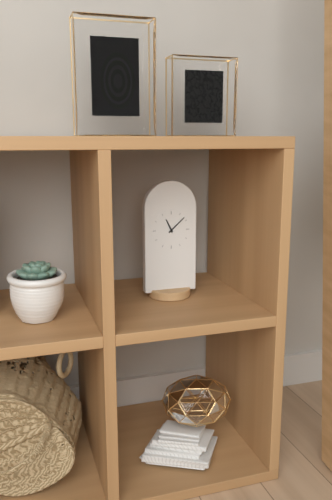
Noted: 11h08
